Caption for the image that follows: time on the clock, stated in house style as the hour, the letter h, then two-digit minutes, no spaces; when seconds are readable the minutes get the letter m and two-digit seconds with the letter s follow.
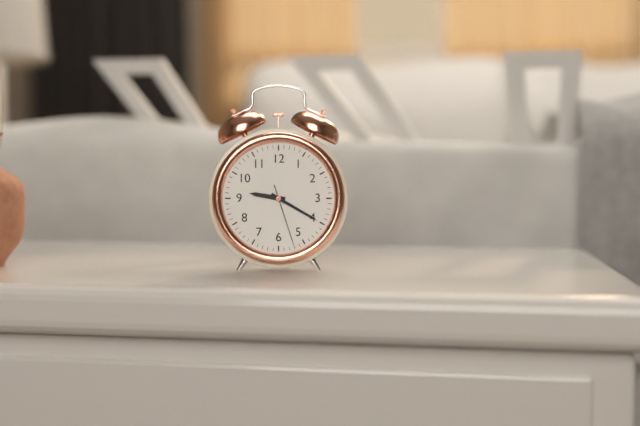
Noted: 9h20m27s
